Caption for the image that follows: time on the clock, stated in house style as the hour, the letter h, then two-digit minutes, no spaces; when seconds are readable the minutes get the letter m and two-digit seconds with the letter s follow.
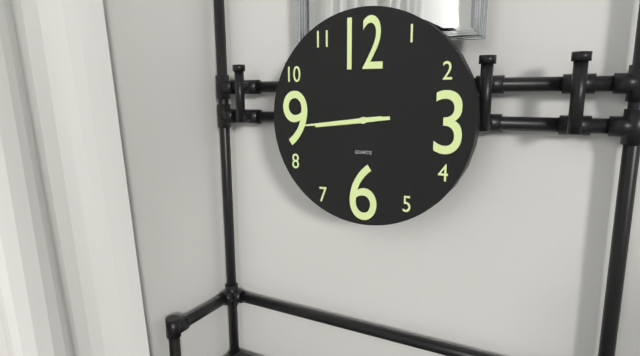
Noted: 8h44
